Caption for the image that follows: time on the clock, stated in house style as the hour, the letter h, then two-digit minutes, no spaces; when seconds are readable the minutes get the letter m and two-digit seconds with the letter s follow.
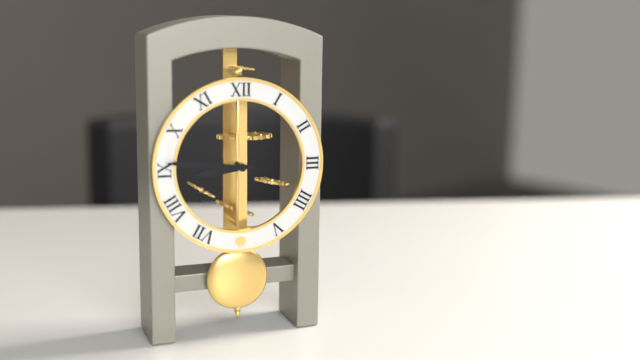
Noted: 8h46
